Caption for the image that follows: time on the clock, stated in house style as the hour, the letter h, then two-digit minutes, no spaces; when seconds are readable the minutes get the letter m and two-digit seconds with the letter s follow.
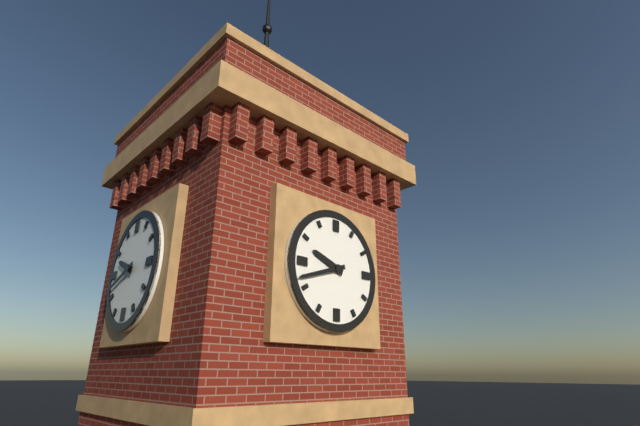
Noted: 9h42
